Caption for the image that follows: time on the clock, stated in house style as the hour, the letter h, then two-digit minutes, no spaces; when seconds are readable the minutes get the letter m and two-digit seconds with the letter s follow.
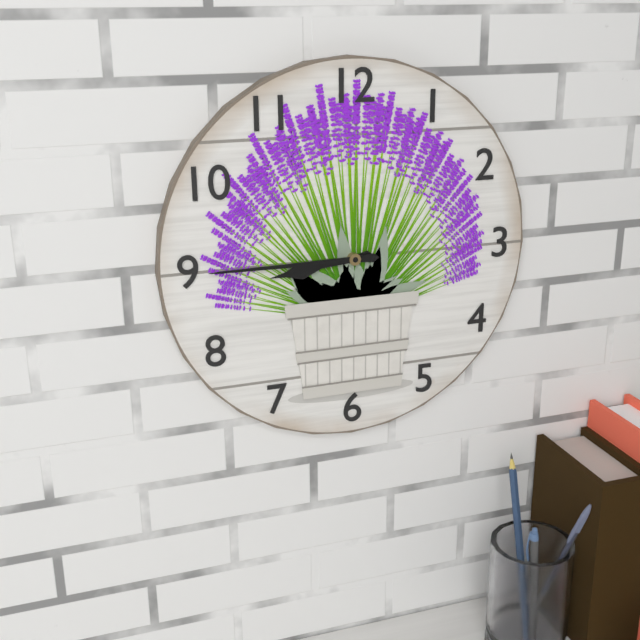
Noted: 8h45
